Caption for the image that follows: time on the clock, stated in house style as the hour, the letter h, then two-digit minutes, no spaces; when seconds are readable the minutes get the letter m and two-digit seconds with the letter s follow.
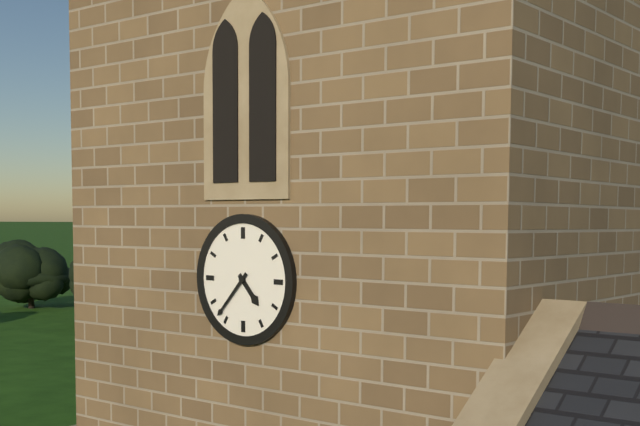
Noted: 4h37
